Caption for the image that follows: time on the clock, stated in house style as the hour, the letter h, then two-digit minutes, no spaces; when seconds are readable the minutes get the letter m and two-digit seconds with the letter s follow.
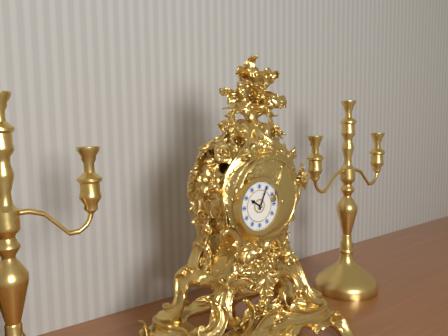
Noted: 10h04
